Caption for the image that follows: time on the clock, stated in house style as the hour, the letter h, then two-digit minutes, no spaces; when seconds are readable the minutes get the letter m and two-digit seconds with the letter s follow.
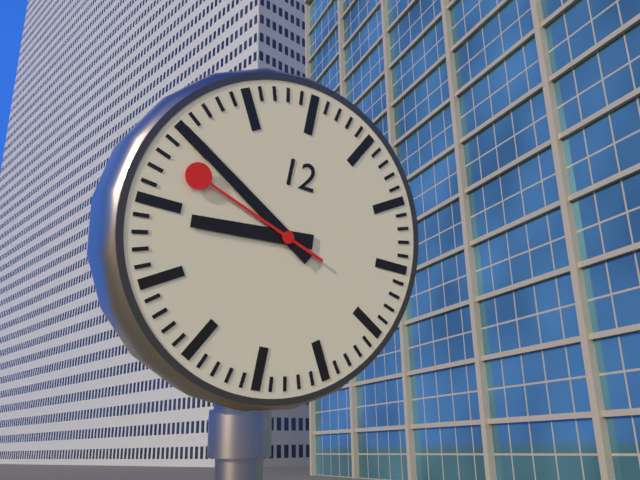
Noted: 8h50m48s
